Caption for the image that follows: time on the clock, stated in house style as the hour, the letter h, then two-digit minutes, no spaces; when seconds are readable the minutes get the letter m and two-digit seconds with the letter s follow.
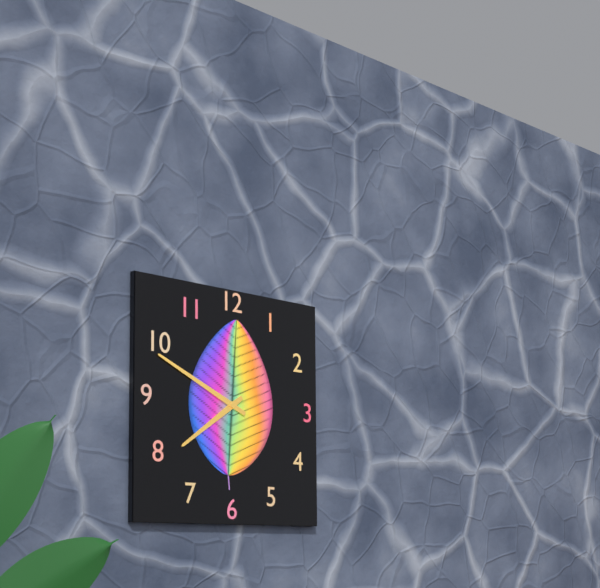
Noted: 7h49
